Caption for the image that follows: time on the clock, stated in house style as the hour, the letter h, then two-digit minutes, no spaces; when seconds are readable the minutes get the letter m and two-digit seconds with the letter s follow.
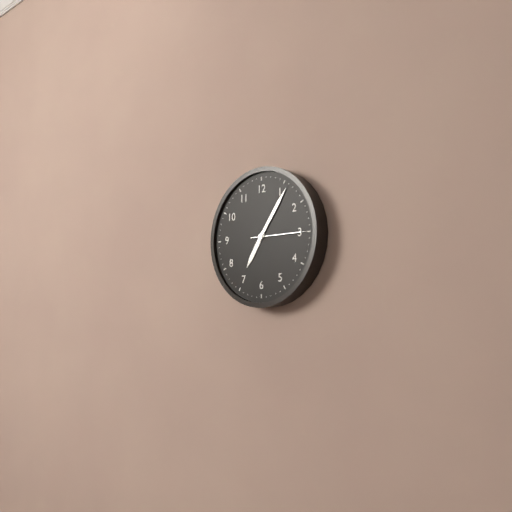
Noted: 7h06m15s
